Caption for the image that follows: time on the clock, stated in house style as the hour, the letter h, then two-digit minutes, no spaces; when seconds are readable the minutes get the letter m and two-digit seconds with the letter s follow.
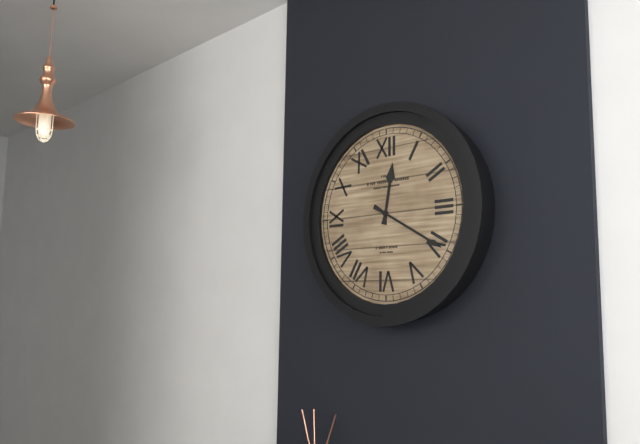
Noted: 12h20
